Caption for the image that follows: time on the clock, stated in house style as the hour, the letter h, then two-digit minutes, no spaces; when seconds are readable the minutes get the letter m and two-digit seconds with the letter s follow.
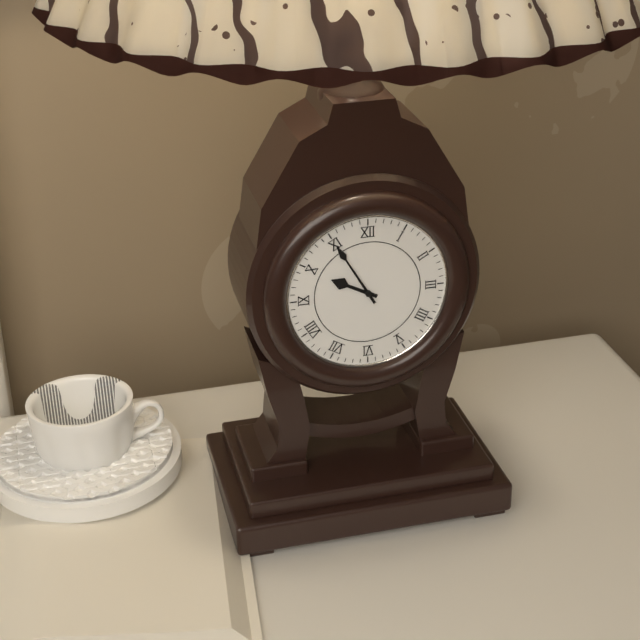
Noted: 9h55
